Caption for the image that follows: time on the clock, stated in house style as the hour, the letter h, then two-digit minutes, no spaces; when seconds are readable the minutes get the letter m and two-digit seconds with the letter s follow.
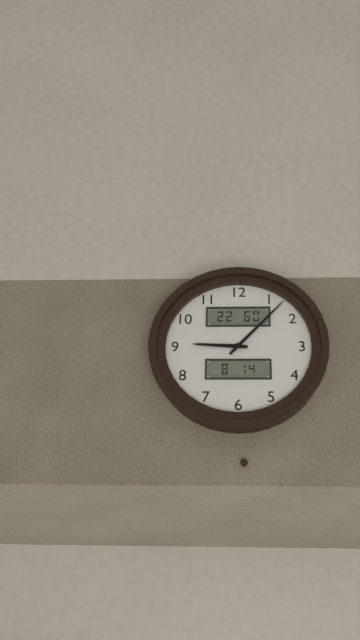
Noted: 9h07
